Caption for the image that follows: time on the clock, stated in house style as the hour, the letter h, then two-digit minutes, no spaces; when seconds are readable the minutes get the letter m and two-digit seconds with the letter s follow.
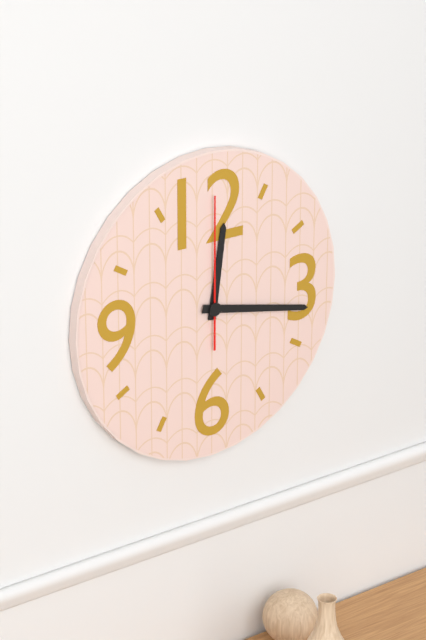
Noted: 12h17m00s
